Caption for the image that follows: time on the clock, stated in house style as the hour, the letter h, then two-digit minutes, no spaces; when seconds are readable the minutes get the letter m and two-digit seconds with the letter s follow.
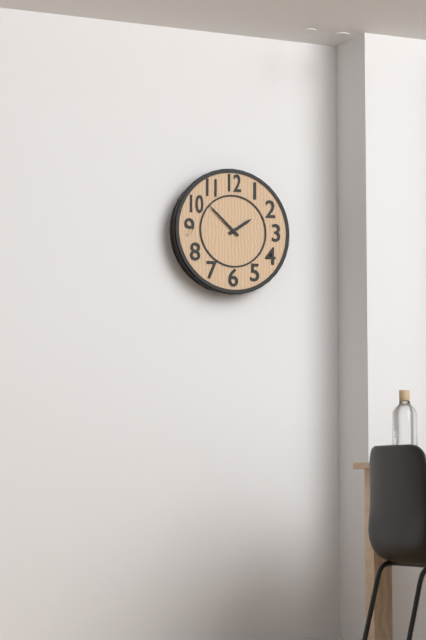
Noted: 1h52
